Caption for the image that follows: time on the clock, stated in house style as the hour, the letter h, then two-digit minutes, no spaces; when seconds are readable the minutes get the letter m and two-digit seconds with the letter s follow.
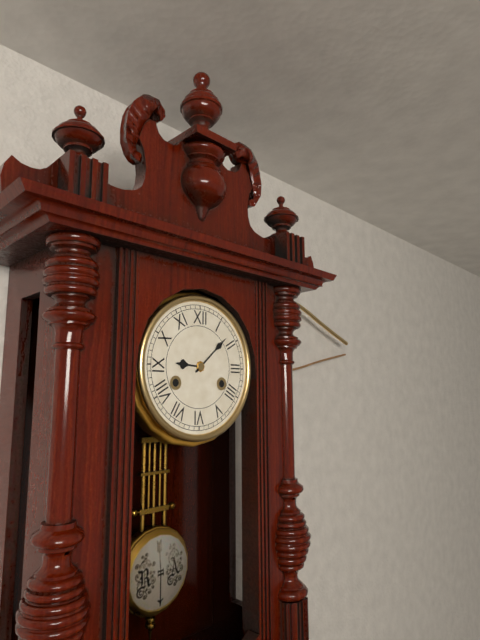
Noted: 9h08
